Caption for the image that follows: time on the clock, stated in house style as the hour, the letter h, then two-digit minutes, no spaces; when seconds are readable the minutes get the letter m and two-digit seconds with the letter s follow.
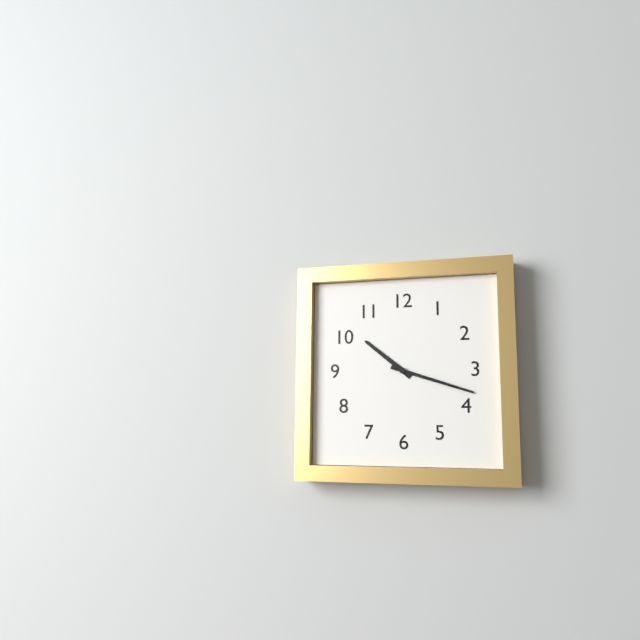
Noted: 10h18
